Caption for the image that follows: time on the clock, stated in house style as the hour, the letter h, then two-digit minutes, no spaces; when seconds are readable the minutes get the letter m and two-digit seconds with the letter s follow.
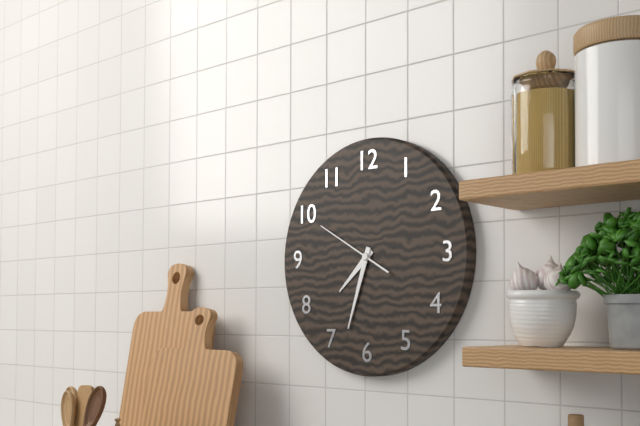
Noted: 7h33m50s
